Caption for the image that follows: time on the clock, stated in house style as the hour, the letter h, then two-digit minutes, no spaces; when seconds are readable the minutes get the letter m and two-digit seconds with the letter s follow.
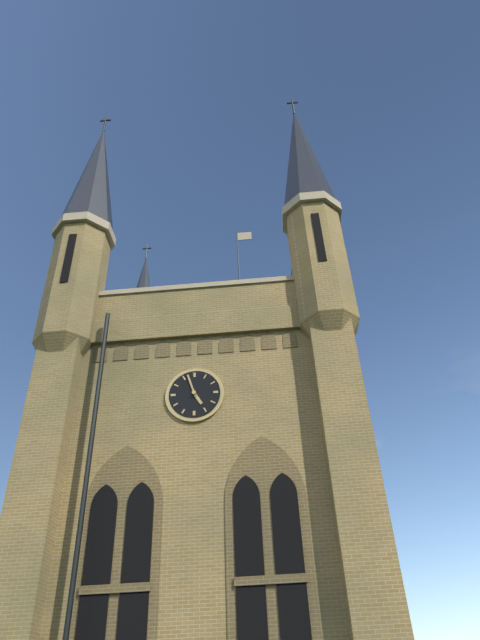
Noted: 4h57
